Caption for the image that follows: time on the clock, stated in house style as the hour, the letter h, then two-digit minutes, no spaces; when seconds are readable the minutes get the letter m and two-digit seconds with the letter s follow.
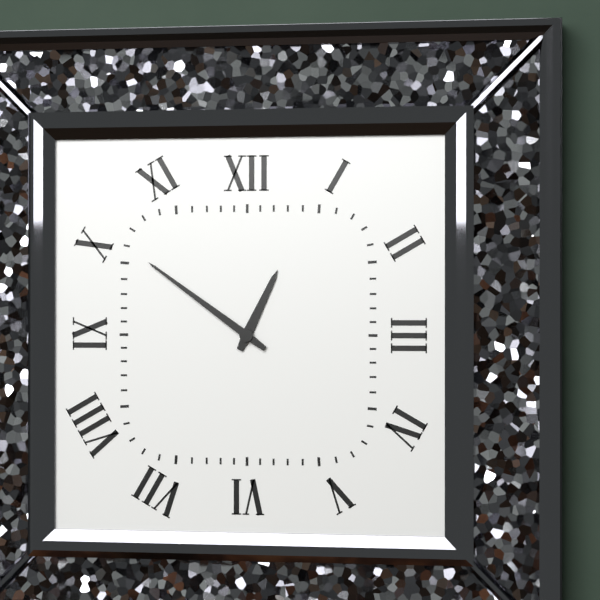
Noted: 12h51
